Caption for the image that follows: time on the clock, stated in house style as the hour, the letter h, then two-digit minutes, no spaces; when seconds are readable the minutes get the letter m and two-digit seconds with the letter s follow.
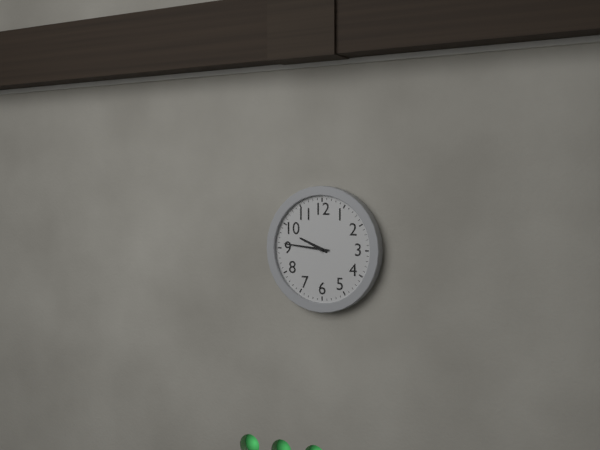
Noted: 9h46
